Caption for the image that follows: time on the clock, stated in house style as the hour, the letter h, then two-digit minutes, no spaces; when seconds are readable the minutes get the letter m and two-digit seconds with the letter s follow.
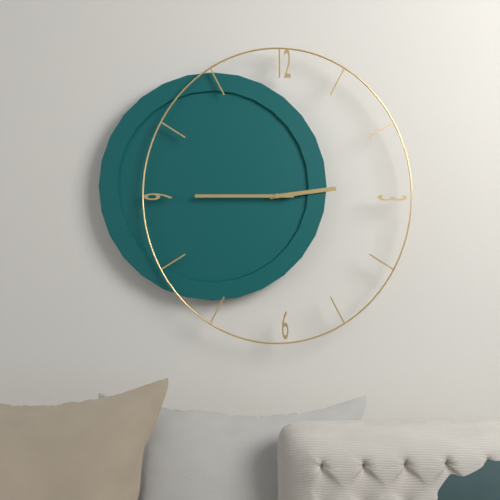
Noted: 2h45
